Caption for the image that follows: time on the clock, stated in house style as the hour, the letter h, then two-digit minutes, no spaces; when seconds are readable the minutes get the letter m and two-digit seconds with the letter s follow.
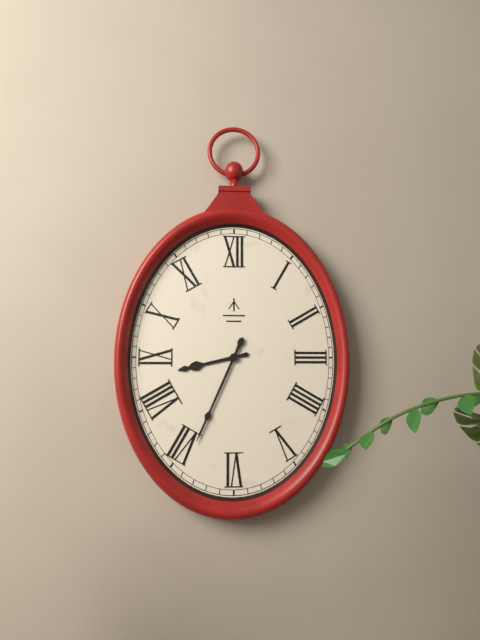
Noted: 8h34
